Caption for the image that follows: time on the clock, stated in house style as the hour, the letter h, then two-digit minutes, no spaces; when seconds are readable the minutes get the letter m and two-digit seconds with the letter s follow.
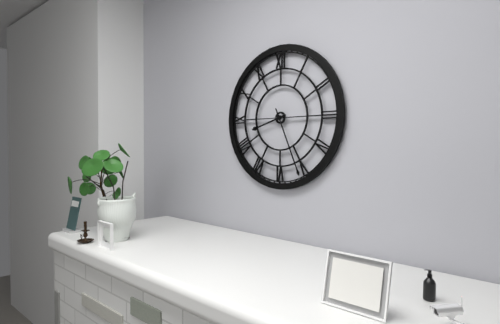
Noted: 8h26
